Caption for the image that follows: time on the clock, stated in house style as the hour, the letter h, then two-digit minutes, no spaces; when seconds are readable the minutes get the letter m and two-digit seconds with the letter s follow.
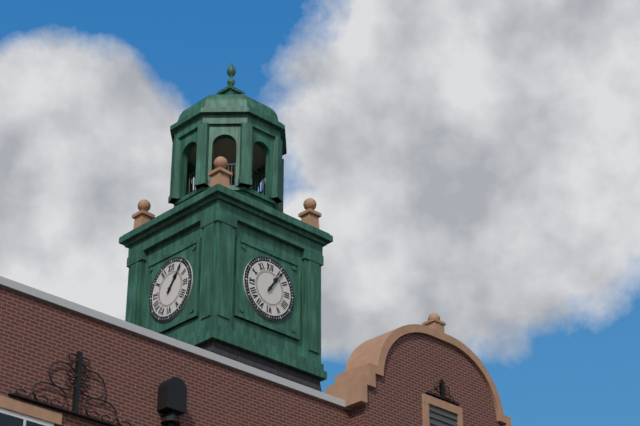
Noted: 1h06
